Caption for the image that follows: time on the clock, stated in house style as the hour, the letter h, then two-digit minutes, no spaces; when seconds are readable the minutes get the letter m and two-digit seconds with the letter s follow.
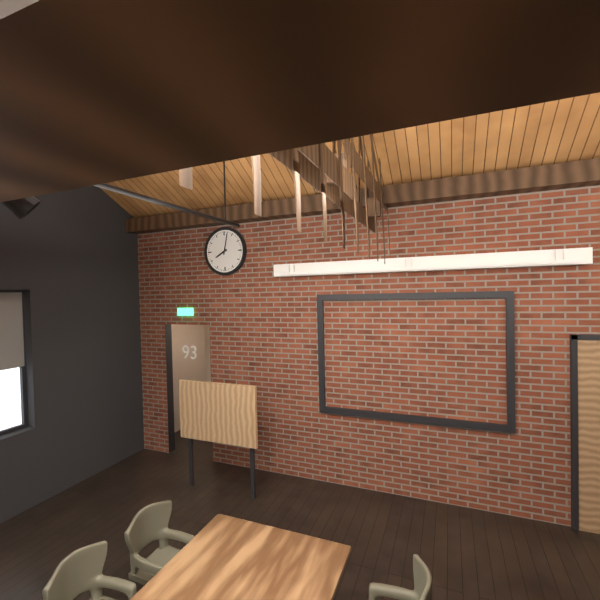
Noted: 8h02
